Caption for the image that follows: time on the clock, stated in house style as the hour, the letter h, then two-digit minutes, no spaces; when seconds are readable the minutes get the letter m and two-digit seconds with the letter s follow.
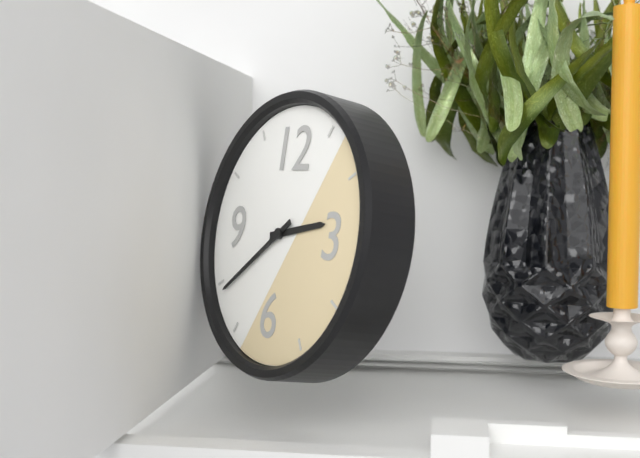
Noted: 2h39
